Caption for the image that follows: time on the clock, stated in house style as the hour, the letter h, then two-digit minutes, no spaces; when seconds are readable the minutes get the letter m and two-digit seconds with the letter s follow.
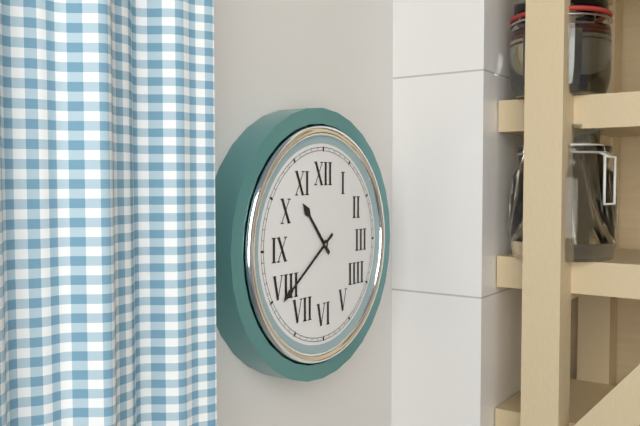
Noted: 10h39
